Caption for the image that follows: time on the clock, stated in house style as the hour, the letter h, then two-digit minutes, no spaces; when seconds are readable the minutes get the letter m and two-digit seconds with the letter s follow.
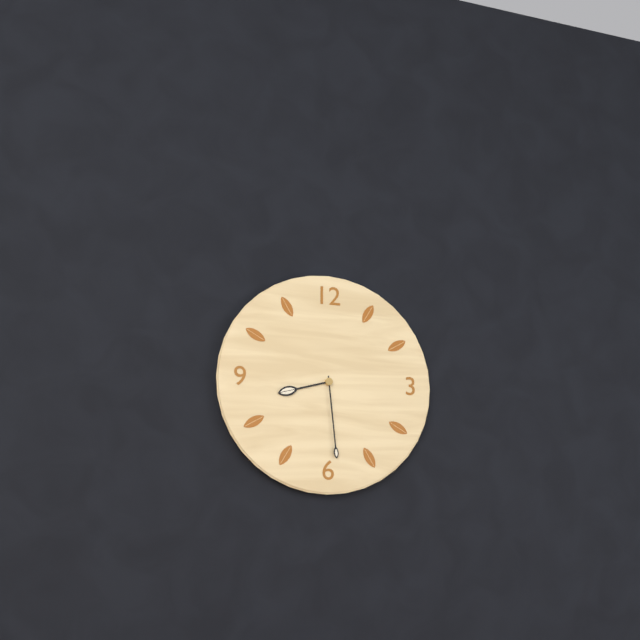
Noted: 8h29
